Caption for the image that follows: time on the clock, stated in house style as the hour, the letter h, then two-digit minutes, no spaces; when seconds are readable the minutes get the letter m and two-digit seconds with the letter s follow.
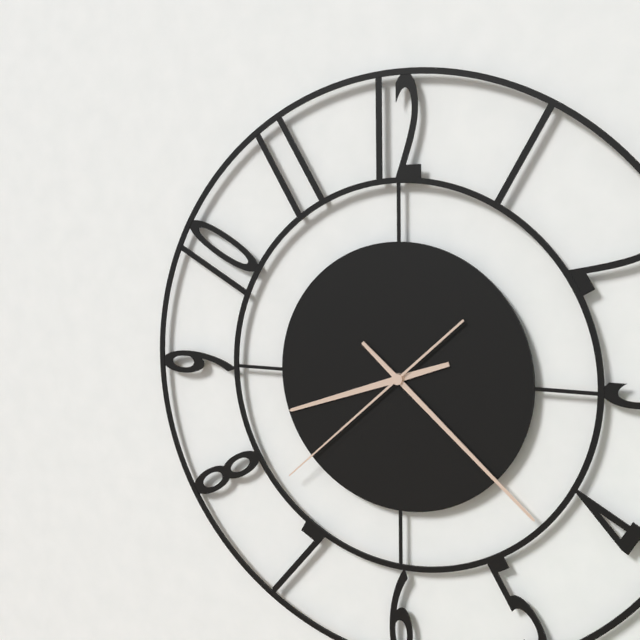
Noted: 8h22m38s
